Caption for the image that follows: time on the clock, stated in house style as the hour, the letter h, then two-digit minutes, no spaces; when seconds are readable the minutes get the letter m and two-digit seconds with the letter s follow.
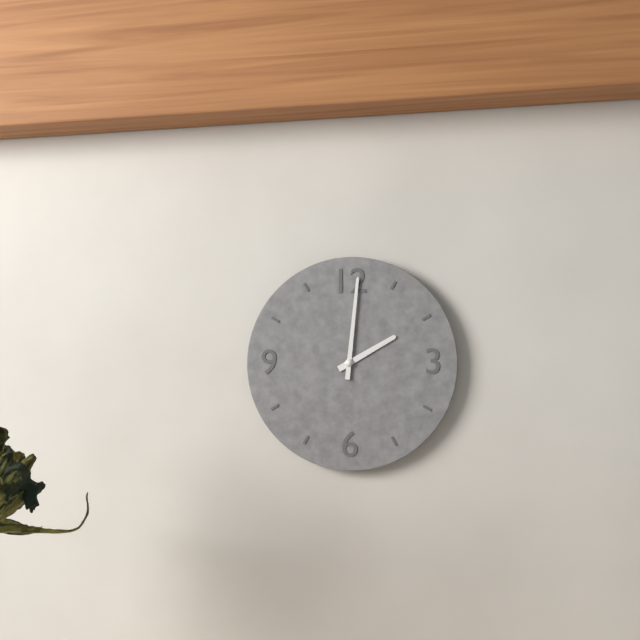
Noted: 2h01
